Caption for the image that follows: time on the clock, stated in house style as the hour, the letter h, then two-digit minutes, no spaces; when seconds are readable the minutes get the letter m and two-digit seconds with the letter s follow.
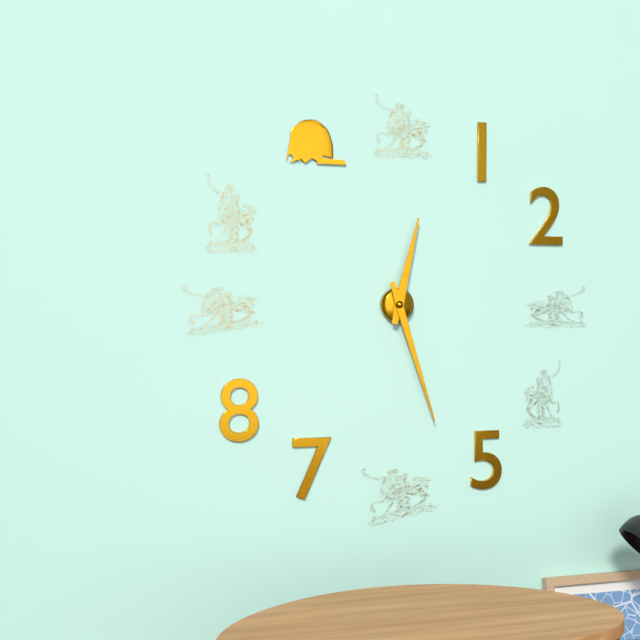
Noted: 12h27
